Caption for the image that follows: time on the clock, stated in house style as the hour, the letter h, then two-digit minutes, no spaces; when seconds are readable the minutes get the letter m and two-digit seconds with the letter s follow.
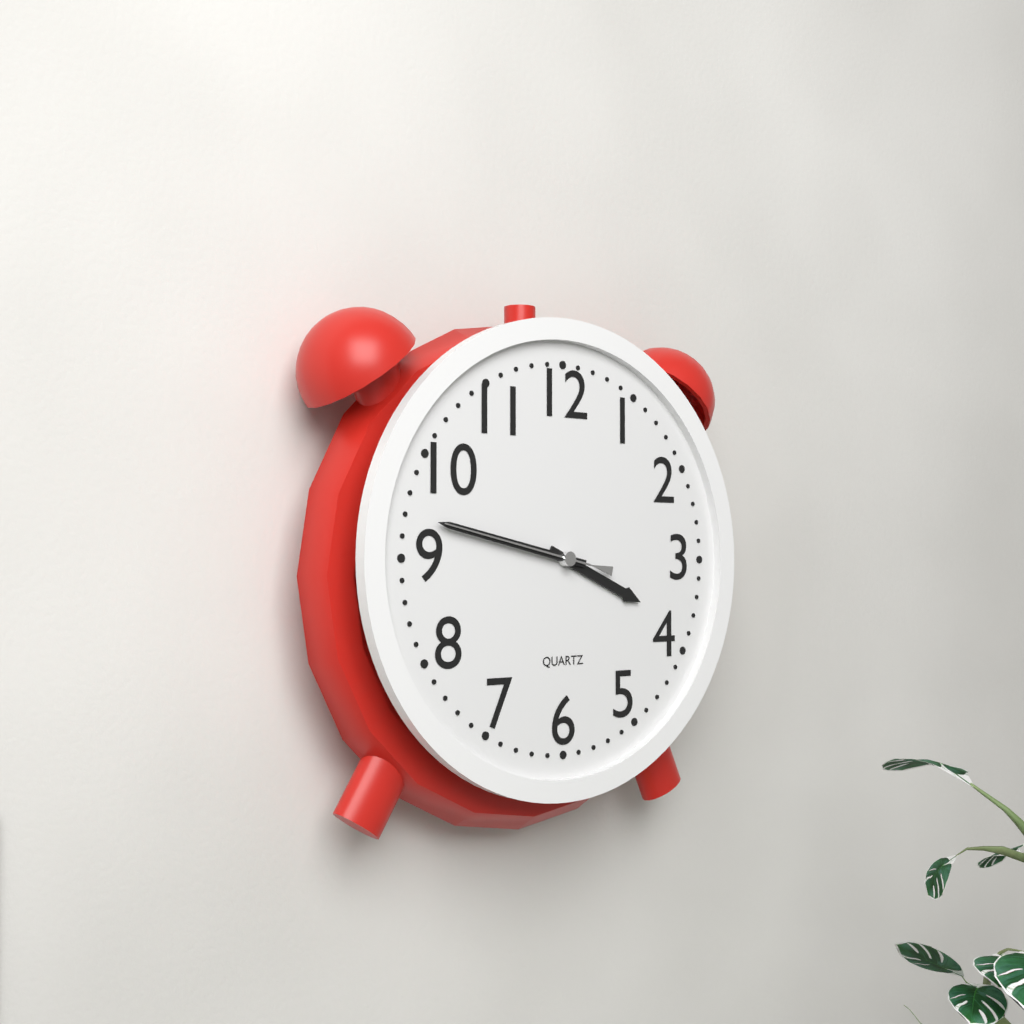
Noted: 3h47m47s
